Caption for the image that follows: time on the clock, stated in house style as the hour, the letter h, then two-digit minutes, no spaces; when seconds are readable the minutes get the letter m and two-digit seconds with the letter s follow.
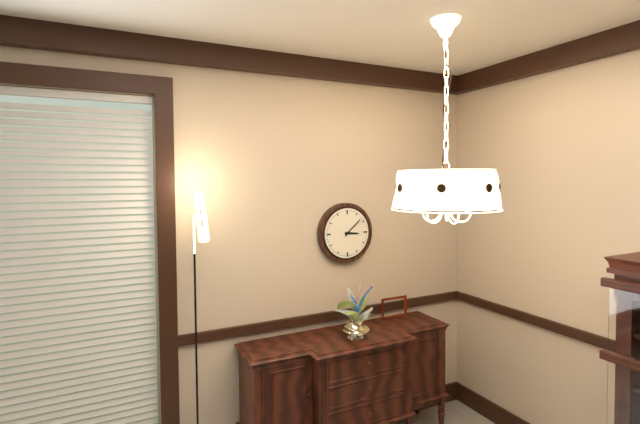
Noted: 3h08
